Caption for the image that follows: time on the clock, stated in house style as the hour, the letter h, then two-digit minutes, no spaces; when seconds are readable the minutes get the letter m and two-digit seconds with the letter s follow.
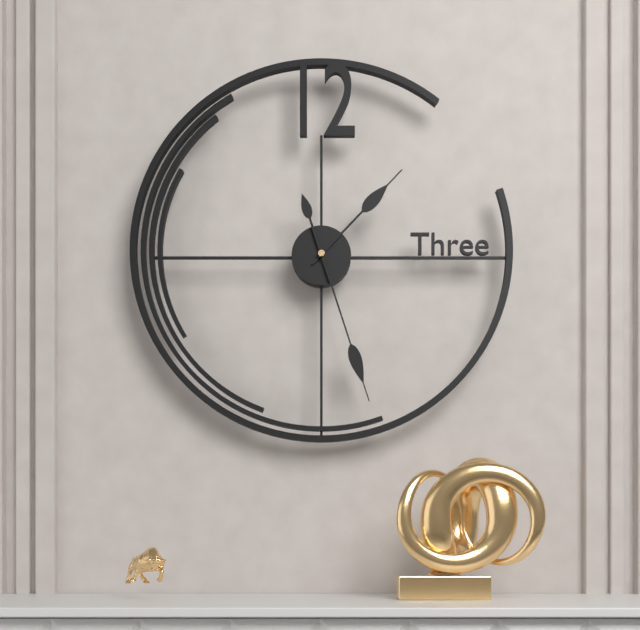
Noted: 1h27
